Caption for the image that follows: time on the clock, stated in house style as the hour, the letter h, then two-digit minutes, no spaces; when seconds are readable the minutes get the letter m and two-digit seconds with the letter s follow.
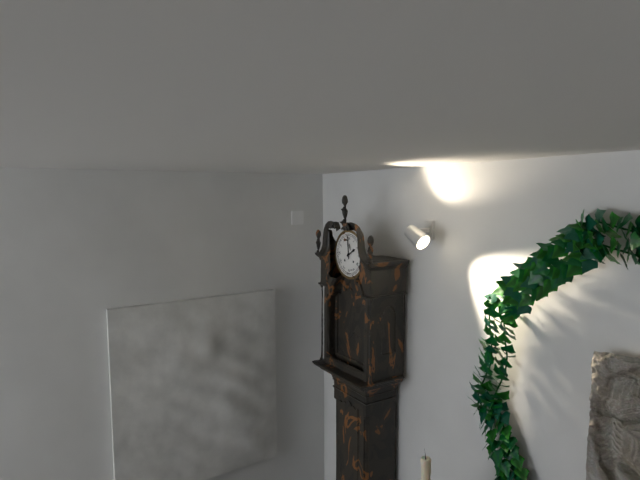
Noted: 1h59
